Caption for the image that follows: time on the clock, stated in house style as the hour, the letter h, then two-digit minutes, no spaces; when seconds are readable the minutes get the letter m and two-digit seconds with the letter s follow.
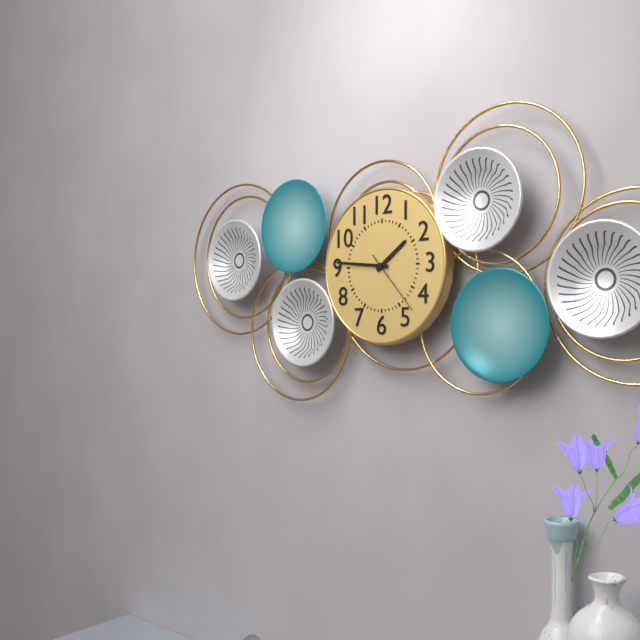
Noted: 1h46m23s
